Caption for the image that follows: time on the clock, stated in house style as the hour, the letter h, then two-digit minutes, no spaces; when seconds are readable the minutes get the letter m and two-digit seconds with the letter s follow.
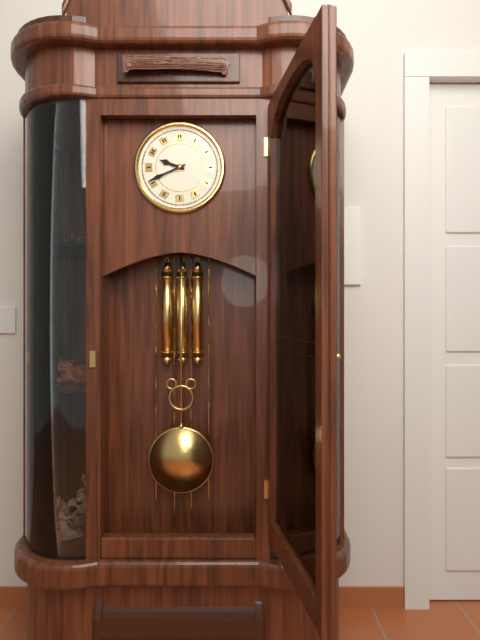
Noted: 9h41
